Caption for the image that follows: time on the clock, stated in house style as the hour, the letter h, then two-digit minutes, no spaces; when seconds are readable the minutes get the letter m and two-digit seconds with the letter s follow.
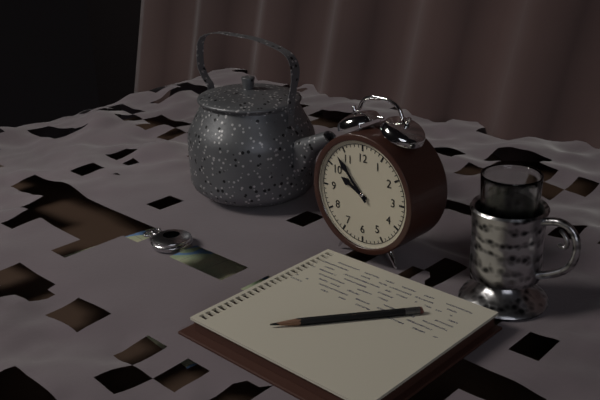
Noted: 9h53
